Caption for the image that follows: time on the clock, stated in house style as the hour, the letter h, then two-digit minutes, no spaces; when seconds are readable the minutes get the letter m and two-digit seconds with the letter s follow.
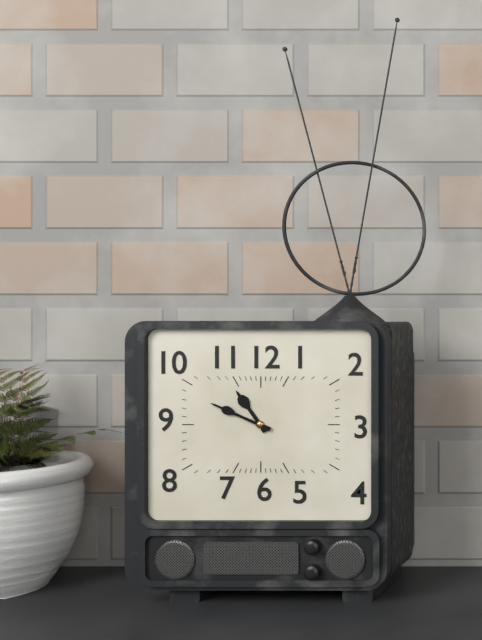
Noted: 10h49
